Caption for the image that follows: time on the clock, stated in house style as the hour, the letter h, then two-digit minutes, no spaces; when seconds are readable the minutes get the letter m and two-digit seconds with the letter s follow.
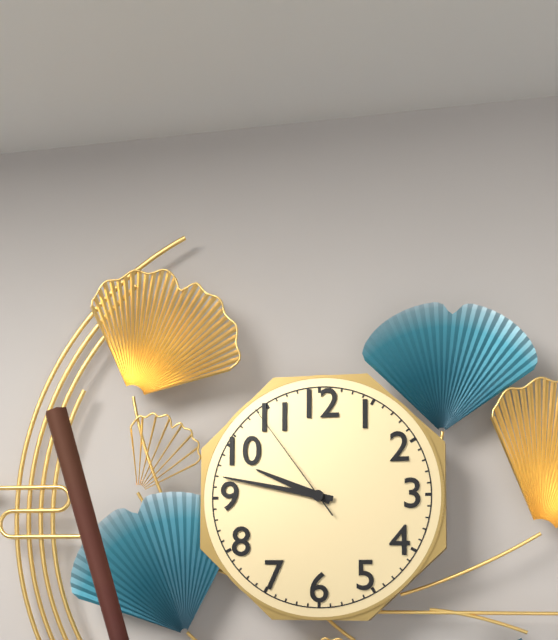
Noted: 9h47m54s
